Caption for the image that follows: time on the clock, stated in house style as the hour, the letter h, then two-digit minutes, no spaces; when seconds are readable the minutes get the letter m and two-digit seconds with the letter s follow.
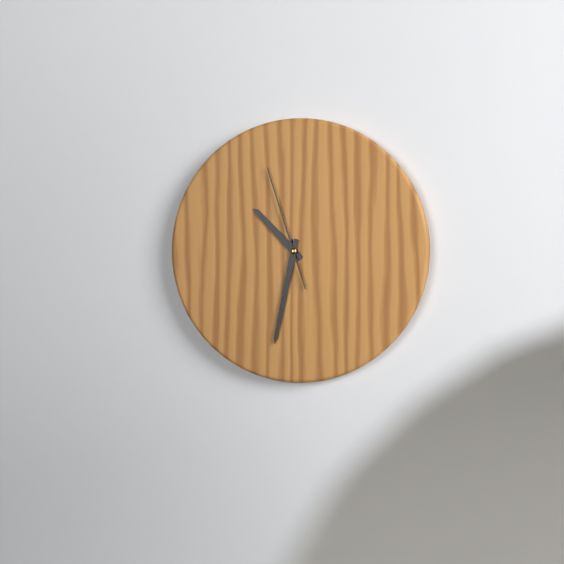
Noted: 10h32m57s
